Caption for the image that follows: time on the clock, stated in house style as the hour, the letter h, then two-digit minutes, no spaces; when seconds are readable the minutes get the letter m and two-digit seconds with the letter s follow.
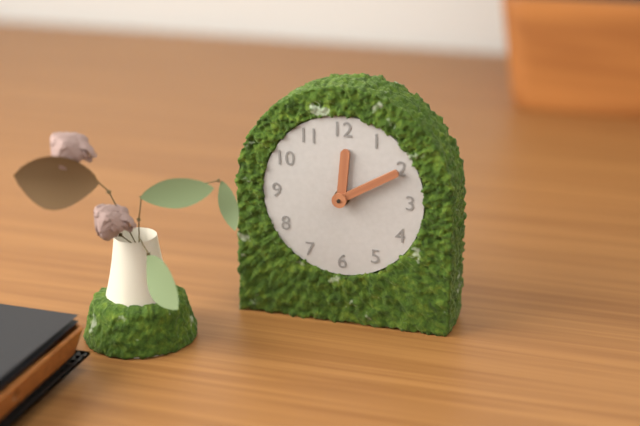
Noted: 12h10
